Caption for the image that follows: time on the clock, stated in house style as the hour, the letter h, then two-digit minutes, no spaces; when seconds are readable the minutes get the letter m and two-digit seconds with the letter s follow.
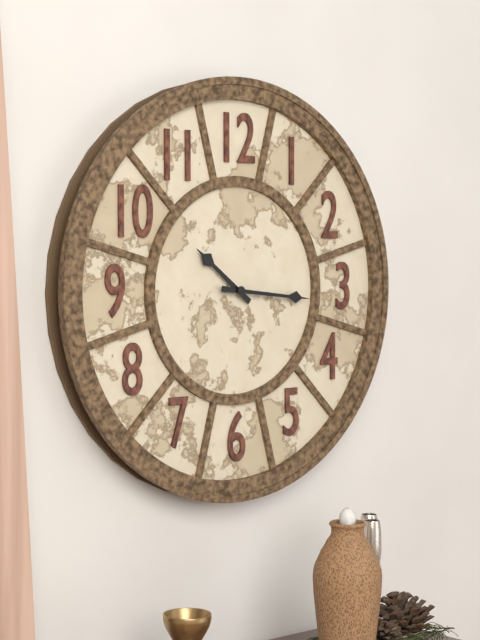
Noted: 10h16
